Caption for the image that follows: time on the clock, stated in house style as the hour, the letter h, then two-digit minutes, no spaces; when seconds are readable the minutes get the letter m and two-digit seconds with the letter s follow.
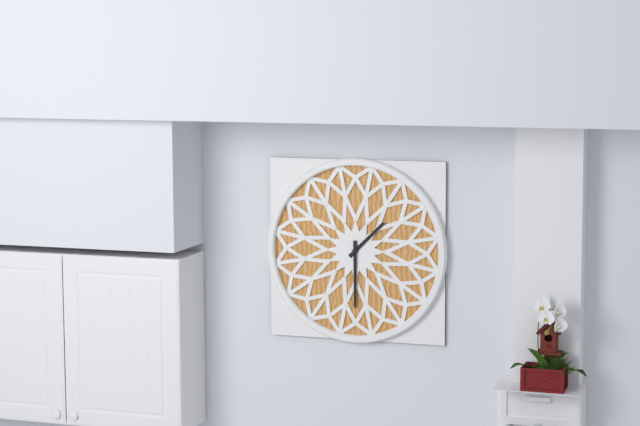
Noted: 1h30
